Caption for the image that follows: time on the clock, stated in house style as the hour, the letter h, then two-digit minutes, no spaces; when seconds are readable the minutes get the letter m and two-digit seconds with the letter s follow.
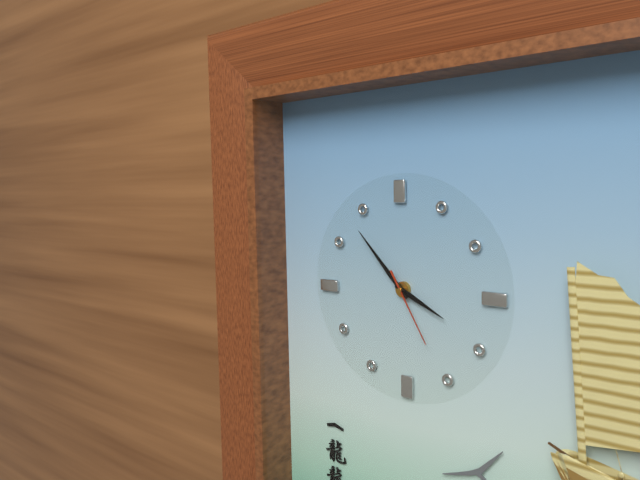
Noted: 3h53m25s
